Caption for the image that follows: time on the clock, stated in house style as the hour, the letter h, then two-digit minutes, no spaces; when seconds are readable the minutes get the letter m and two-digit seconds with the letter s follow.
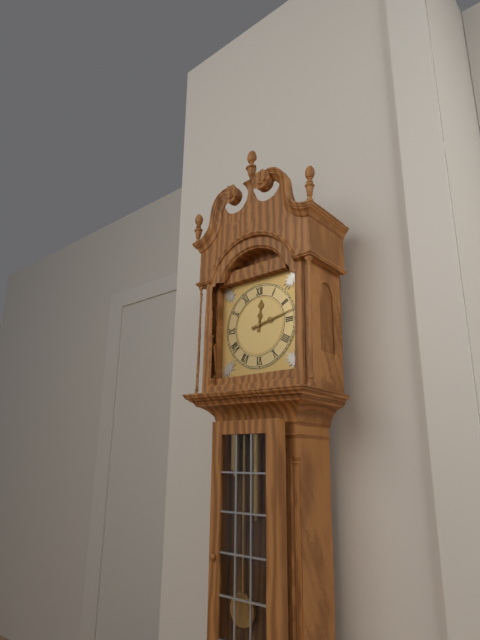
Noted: 12h13
